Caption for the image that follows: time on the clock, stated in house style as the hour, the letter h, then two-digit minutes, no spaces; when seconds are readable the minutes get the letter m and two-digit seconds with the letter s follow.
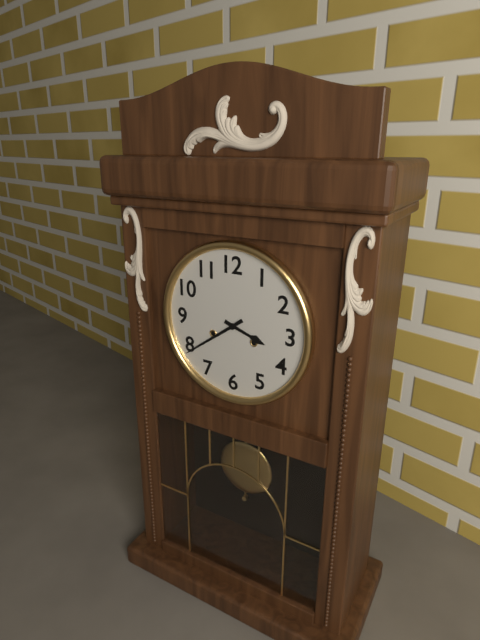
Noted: 3h39
